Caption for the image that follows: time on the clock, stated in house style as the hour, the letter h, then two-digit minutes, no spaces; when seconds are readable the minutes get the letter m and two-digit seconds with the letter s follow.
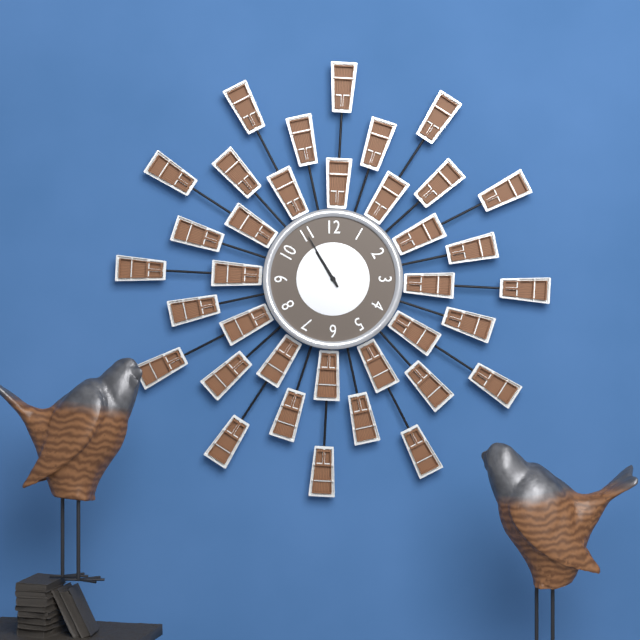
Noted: 10h55
